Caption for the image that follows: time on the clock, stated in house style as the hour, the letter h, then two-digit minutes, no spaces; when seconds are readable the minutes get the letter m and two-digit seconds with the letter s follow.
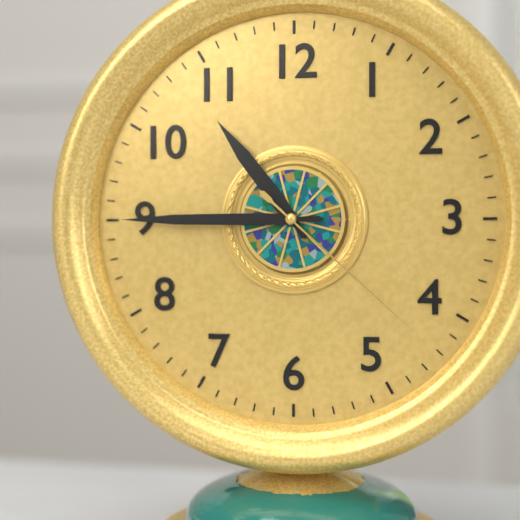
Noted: 10h45m22s
